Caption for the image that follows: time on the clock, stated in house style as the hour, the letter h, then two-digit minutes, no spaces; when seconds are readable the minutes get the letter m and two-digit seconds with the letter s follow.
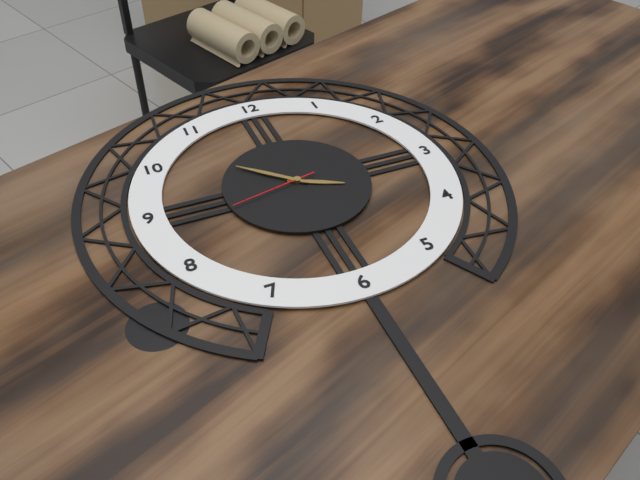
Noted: 3h52m43s
